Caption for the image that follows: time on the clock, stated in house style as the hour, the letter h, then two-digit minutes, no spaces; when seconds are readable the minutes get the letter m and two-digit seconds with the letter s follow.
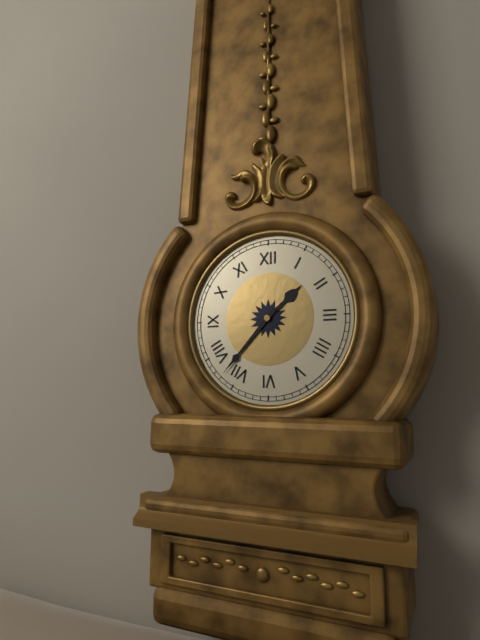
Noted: 1h37
